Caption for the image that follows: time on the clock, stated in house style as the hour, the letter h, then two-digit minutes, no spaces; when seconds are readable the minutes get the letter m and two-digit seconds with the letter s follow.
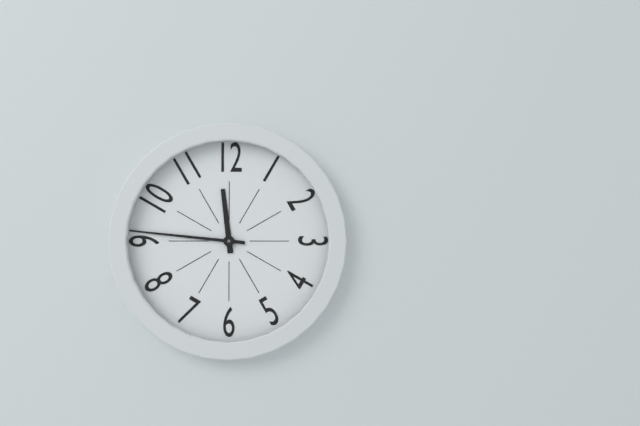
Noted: 11h46
